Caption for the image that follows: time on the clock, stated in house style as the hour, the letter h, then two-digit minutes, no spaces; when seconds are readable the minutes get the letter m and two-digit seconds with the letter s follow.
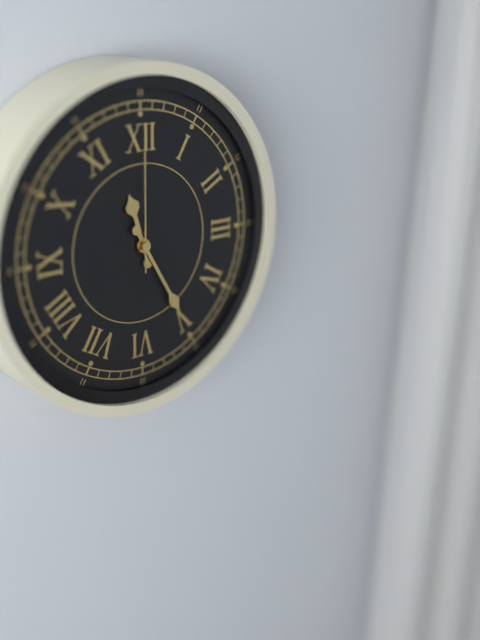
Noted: 11h25m00s
